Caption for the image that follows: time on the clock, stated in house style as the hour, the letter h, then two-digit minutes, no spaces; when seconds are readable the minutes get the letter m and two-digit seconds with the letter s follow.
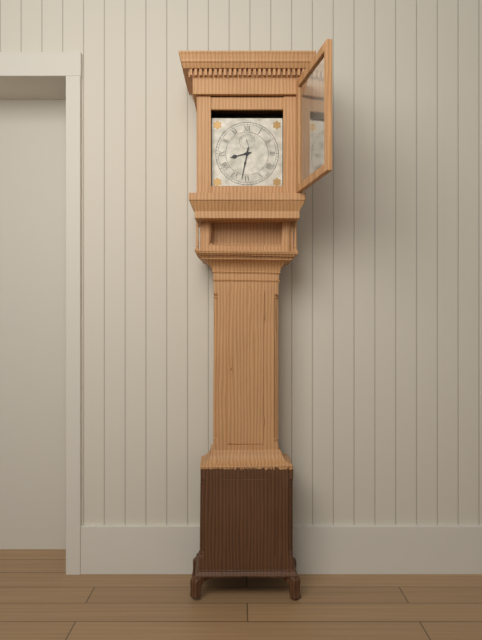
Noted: 8h32
